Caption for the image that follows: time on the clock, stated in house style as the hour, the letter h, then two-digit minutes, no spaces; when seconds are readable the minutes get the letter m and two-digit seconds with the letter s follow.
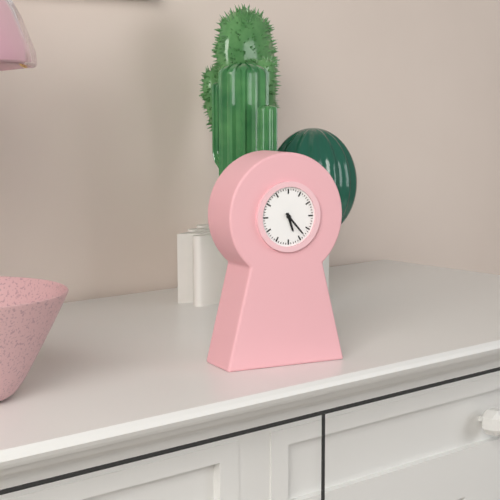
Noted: 5h23
